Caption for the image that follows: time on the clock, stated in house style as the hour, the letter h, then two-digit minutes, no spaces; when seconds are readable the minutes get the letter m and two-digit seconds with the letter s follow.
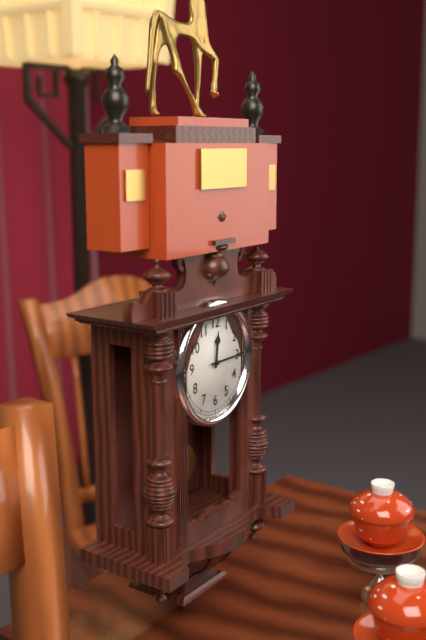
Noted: 12h15
